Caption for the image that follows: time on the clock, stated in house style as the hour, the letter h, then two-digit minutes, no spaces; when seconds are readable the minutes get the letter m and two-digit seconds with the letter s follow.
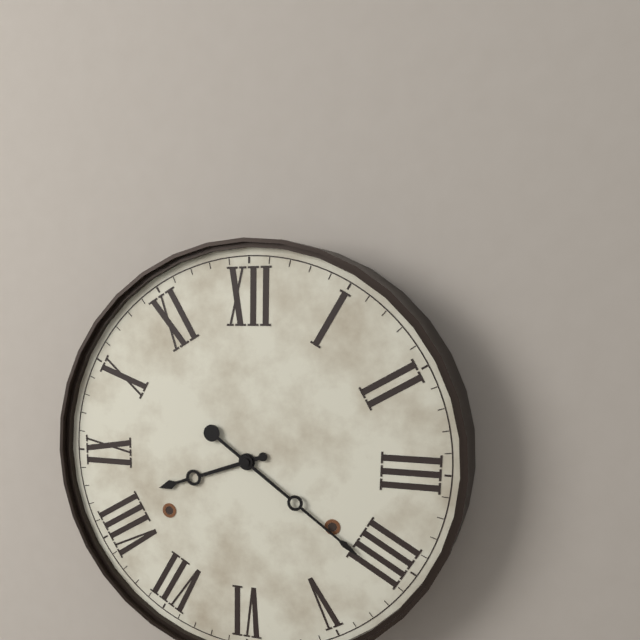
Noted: 8h21
